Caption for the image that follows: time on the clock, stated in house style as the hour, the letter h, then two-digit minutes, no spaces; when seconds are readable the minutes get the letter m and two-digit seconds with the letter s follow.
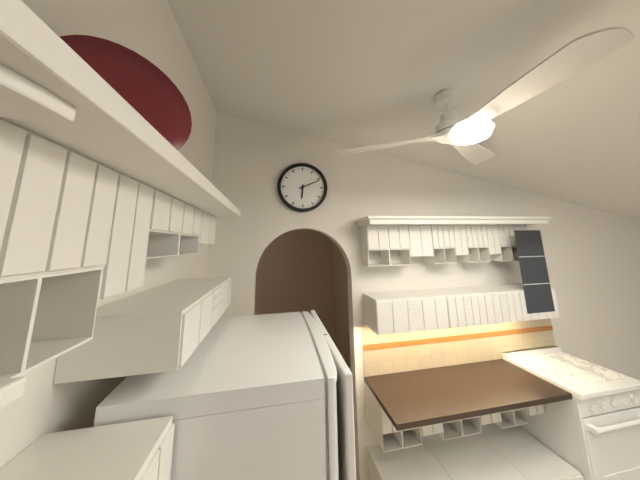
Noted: 6h11
